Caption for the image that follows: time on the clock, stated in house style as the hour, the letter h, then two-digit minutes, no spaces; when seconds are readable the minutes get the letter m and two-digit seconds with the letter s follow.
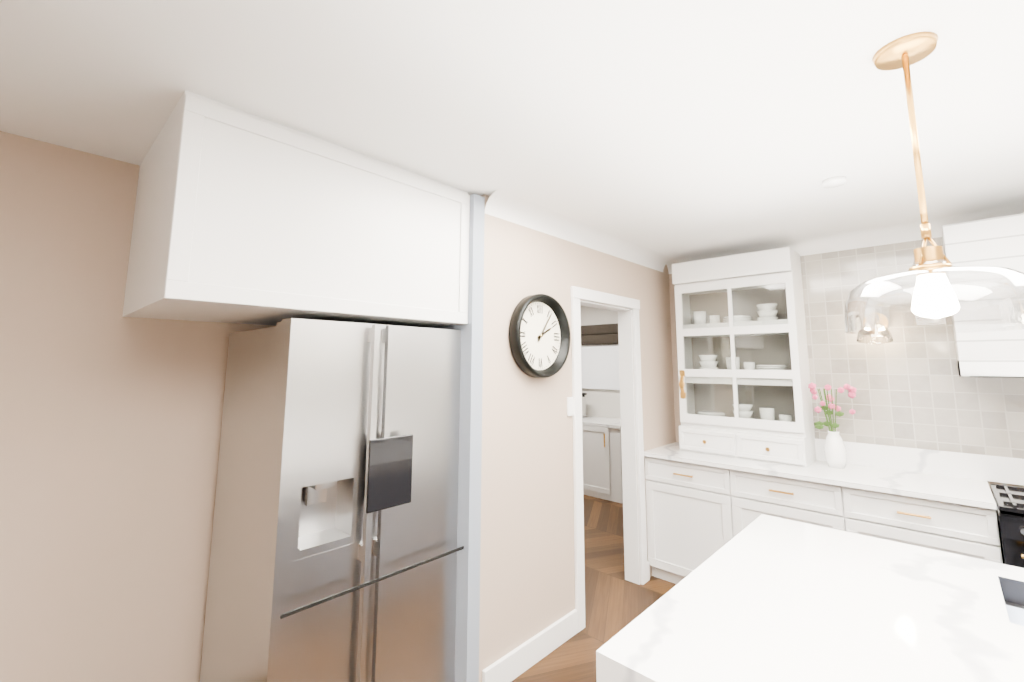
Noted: 2h06
